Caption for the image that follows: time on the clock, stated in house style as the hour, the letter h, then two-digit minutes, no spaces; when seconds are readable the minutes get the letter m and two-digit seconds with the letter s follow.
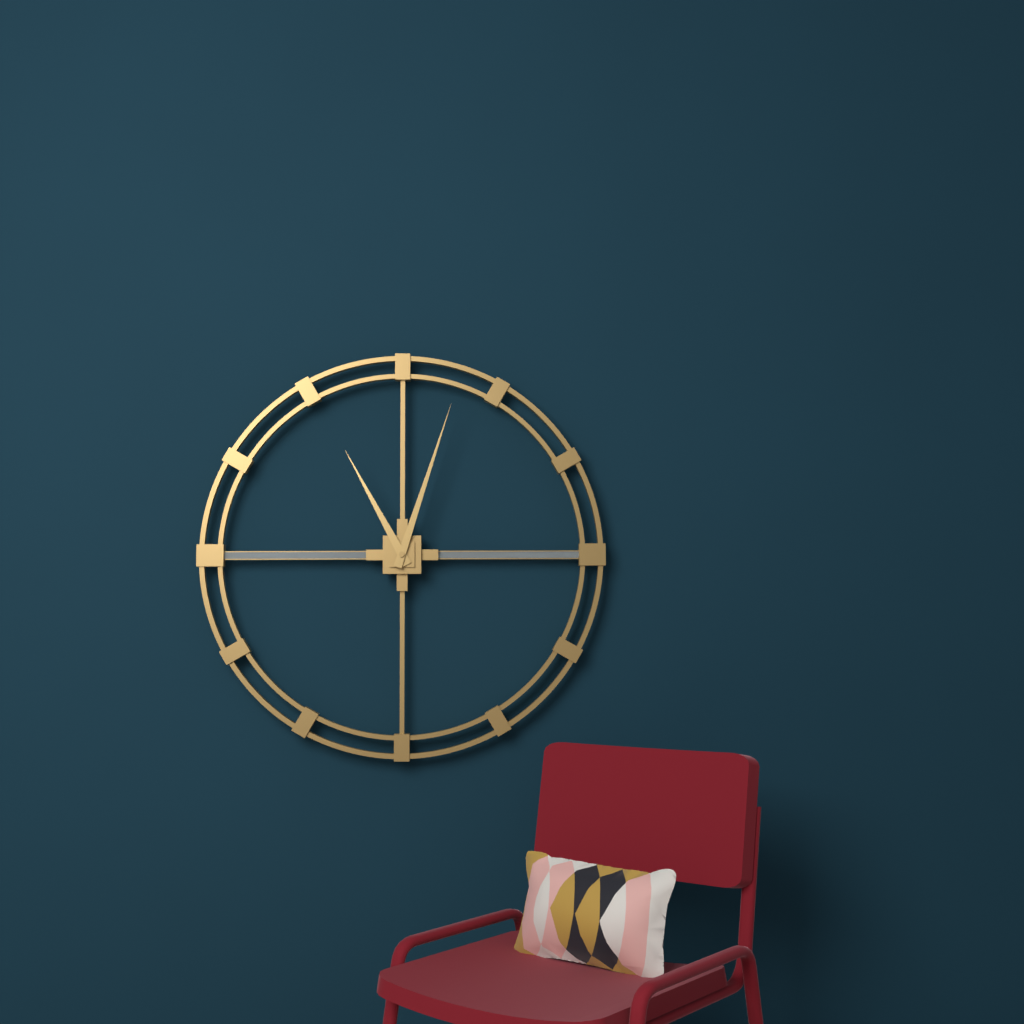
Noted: 11h03
